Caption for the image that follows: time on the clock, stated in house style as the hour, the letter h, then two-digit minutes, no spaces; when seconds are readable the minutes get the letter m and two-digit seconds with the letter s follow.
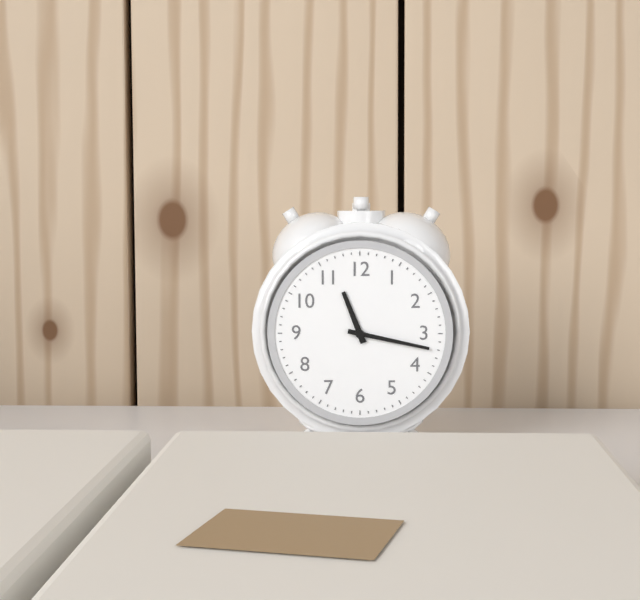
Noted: 11h17
